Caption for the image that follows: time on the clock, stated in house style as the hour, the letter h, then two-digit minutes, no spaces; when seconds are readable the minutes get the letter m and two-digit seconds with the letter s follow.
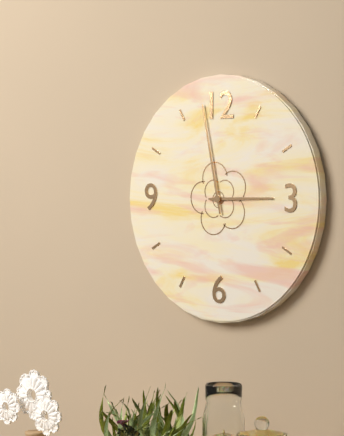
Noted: 2h58
